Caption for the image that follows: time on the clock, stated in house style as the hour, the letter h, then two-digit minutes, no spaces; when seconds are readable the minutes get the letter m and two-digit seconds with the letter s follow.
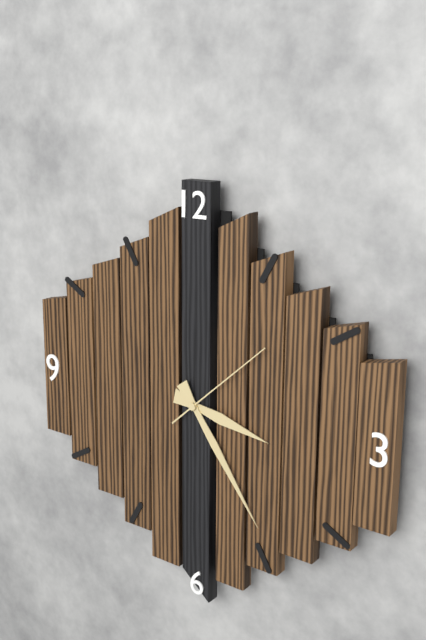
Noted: 3h24m08s
